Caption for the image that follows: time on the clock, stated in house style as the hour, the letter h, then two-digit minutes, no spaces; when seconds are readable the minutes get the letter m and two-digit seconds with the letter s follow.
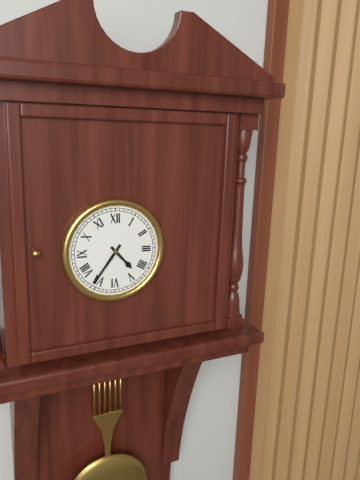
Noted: 4h36
